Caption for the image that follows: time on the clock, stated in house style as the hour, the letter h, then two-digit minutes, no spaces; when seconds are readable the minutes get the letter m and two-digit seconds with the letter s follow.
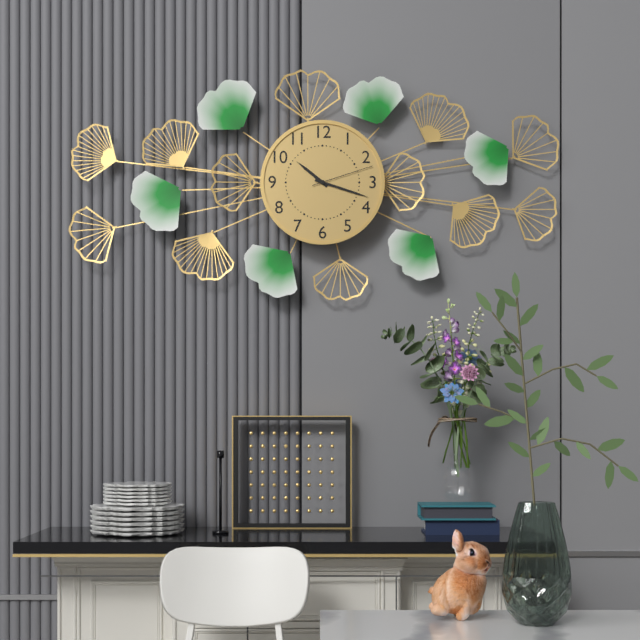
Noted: 10h18m12s
